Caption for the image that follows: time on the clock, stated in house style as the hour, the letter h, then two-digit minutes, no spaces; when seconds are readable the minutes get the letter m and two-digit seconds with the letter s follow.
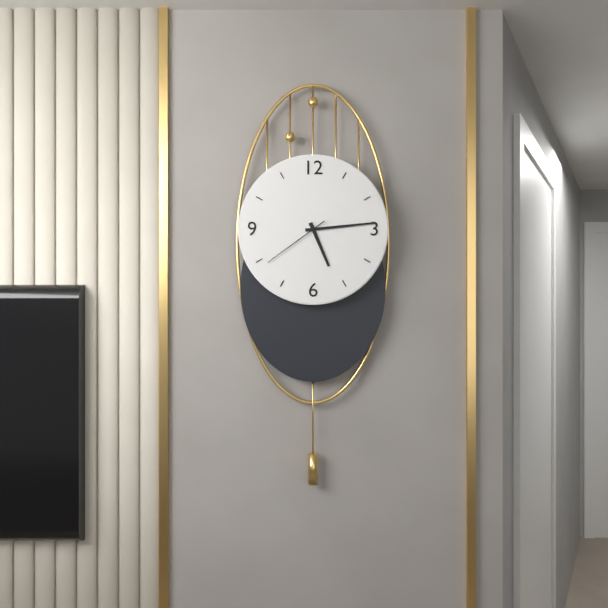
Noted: 5h14m39s
